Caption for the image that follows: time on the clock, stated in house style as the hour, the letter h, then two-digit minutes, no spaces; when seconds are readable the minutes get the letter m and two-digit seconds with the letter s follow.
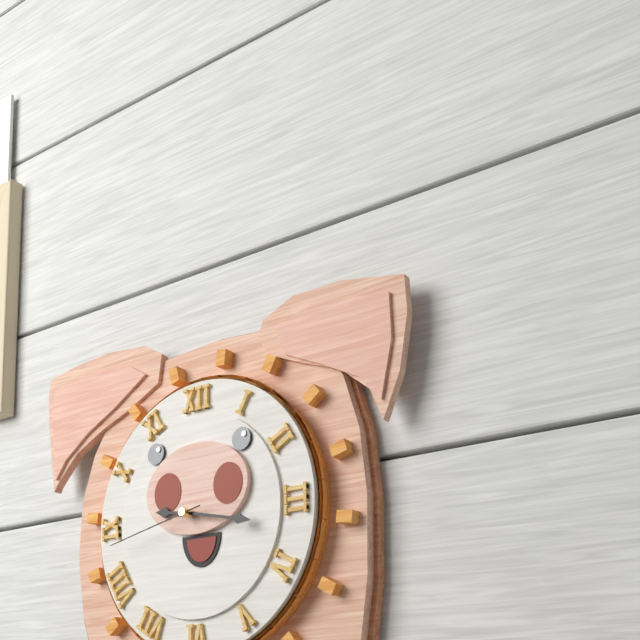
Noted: 9h17m43s
